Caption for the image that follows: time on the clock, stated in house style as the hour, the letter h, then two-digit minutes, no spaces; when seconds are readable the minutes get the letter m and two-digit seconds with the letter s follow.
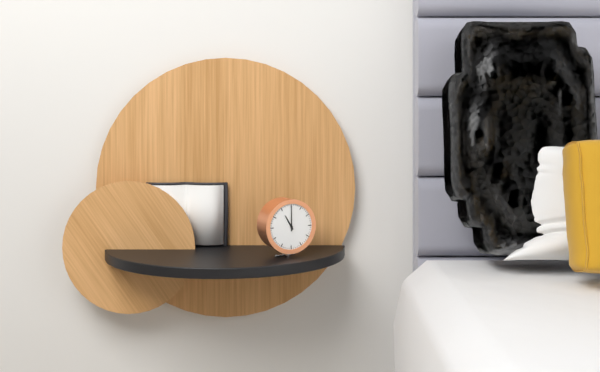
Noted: 11h00
